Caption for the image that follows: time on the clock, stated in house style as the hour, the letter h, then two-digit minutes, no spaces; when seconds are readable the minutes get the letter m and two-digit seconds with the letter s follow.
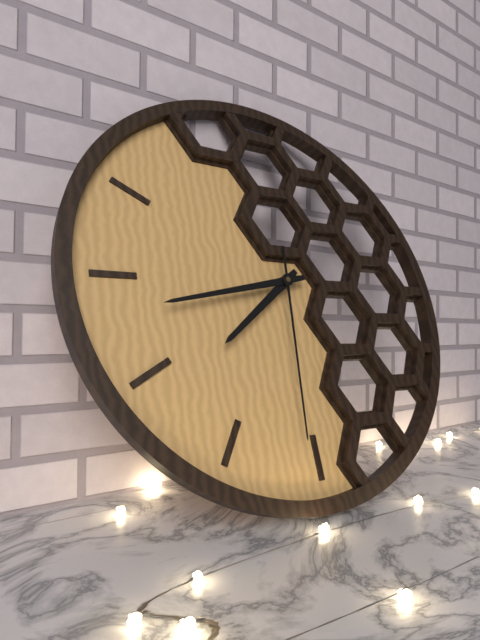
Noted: 7h43m31s
